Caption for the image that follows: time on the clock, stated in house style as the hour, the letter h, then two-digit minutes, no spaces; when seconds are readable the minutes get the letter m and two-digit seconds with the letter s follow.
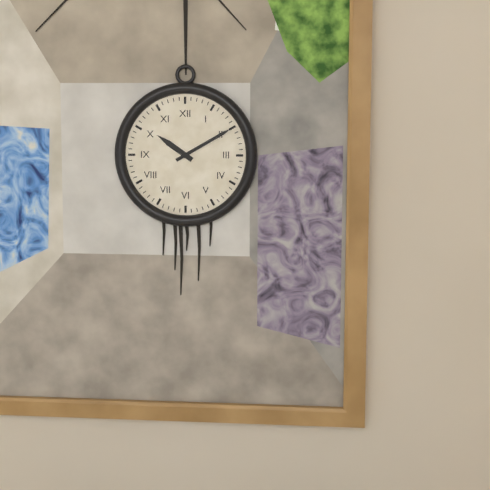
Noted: 10h10
